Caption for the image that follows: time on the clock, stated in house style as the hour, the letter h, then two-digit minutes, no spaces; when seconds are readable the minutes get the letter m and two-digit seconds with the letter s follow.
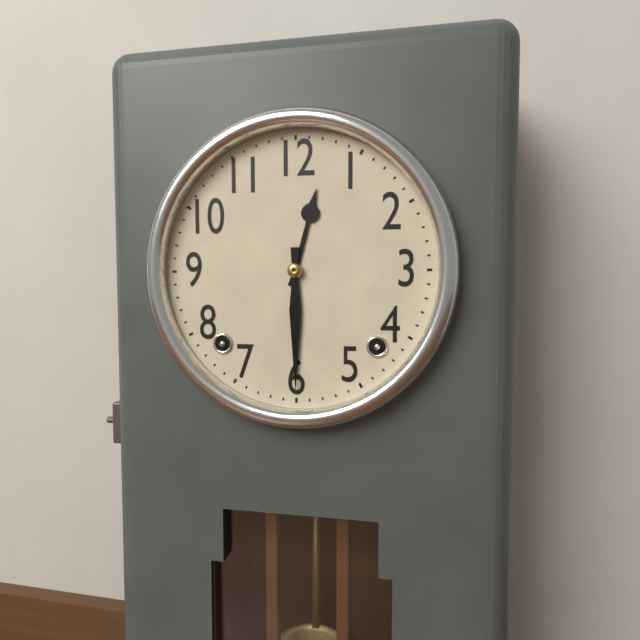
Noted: 12h30
